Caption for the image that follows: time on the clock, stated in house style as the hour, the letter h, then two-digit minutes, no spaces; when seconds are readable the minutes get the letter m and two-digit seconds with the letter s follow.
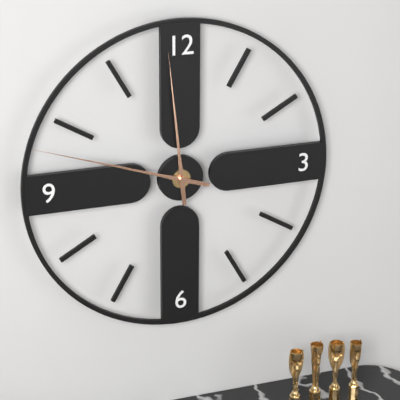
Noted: 11h48
